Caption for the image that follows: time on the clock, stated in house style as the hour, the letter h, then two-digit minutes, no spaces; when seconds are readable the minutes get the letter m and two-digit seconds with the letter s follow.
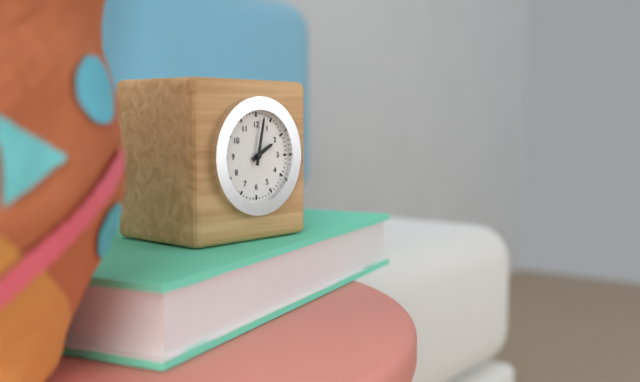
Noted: 2h02
